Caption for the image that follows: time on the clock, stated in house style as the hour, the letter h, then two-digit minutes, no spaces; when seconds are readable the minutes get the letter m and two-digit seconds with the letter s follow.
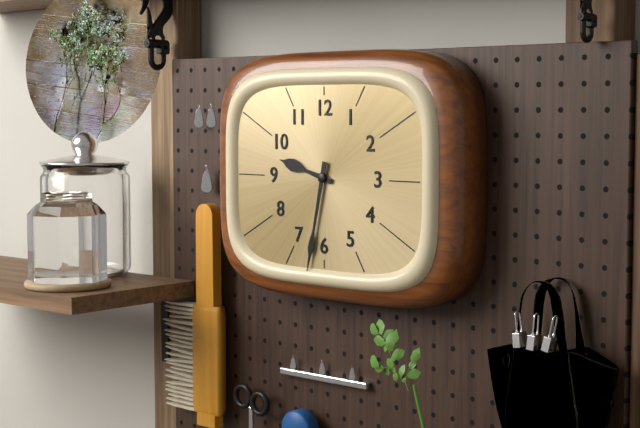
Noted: 9h32
